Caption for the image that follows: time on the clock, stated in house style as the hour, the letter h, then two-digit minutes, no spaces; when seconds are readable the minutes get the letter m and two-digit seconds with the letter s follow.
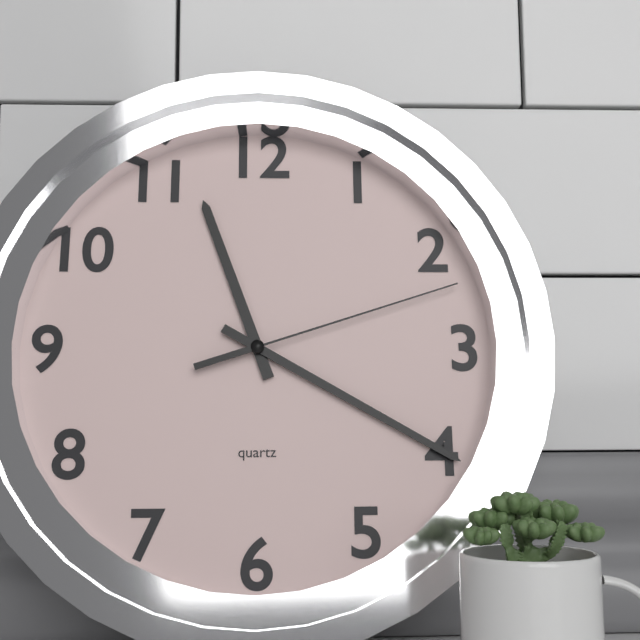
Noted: 11h20m12s
